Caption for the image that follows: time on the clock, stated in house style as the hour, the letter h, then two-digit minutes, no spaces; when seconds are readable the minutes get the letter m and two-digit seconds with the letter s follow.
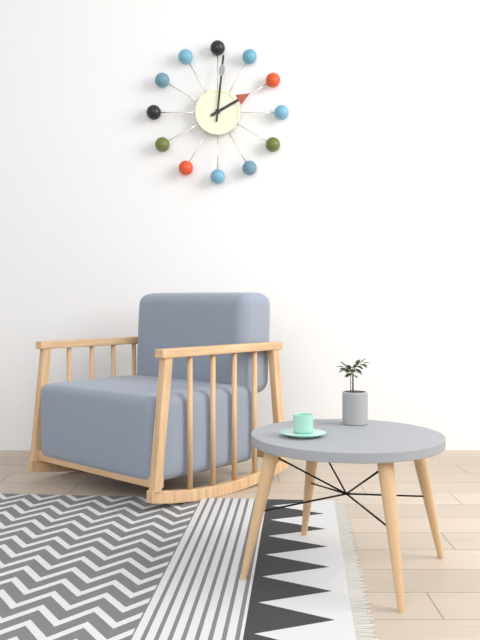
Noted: 2h01
